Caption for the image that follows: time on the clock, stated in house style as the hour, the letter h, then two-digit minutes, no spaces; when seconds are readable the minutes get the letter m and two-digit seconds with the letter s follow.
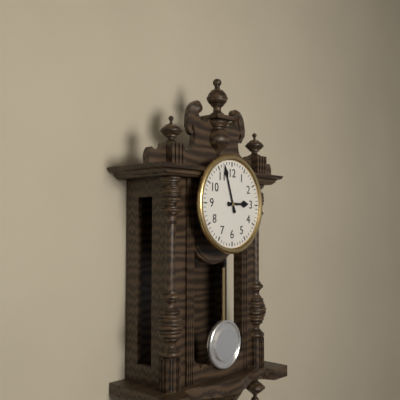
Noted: 2h57
